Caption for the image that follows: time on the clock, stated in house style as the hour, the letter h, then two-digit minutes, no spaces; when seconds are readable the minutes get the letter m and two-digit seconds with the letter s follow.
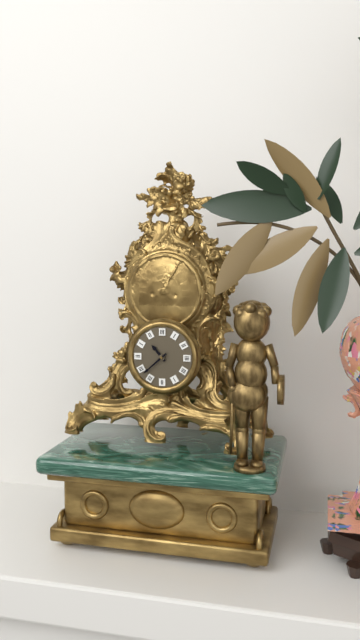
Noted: 10h38
